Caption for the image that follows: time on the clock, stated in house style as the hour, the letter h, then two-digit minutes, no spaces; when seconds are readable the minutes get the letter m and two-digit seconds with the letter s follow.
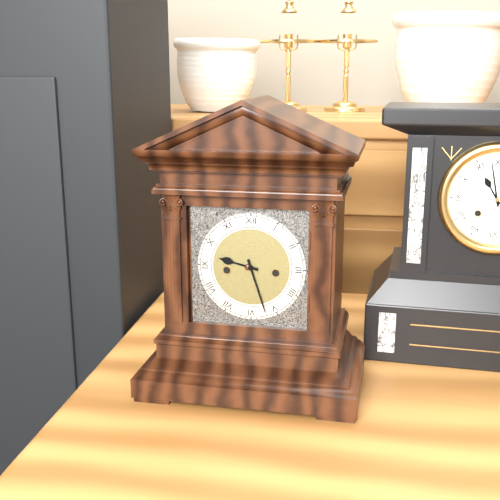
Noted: 9h27
